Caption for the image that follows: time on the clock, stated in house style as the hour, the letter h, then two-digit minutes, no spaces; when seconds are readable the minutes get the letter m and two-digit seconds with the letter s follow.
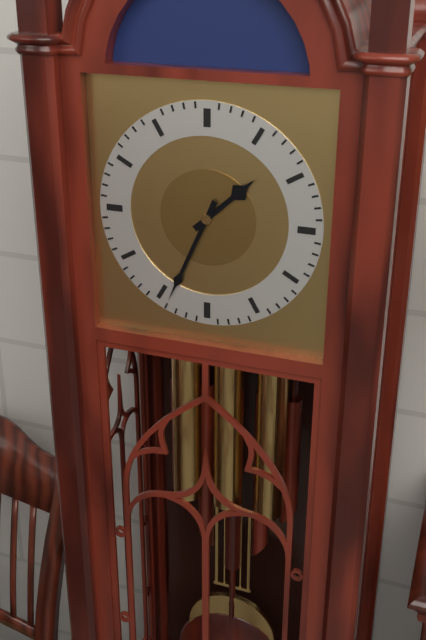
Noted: 1h34
